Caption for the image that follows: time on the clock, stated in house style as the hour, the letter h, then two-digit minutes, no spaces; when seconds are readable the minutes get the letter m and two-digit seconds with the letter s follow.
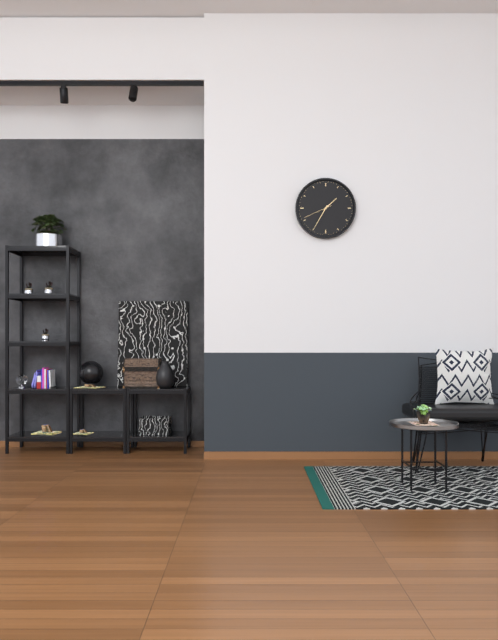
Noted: 1h35
